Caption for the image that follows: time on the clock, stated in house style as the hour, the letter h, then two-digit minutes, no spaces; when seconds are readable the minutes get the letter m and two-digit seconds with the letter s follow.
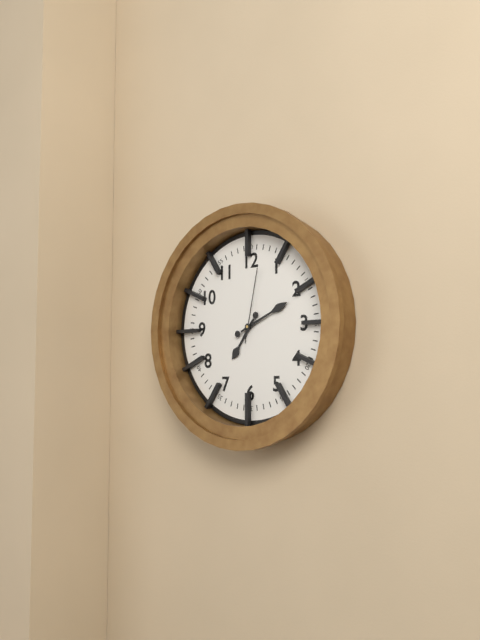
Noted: 7h11m02s
